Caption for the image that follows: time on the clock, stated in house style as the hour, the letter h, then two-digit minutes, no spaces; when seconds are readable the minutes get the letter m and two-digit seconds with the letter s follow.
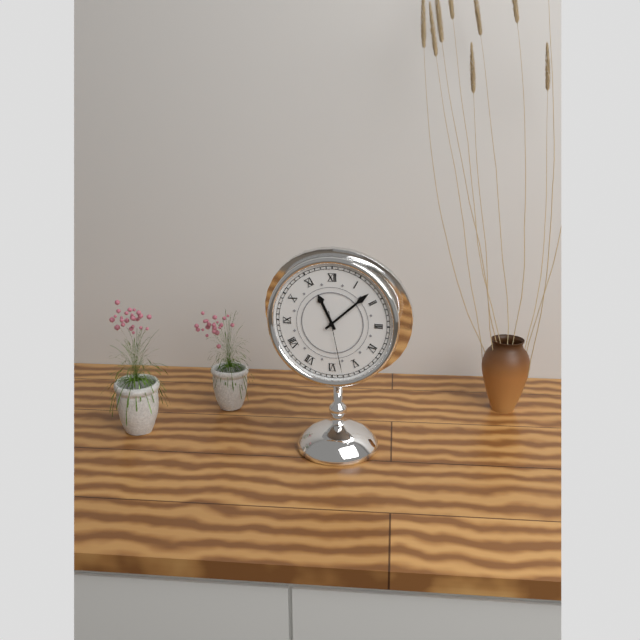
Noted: 11h08m28s
